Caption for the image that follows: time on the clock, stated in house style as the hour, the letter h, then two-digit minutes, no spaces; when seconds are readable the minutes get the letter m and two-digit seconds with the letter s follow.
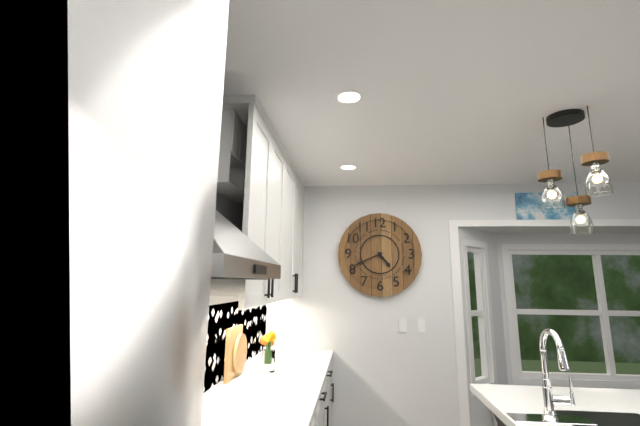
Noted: 4h41
